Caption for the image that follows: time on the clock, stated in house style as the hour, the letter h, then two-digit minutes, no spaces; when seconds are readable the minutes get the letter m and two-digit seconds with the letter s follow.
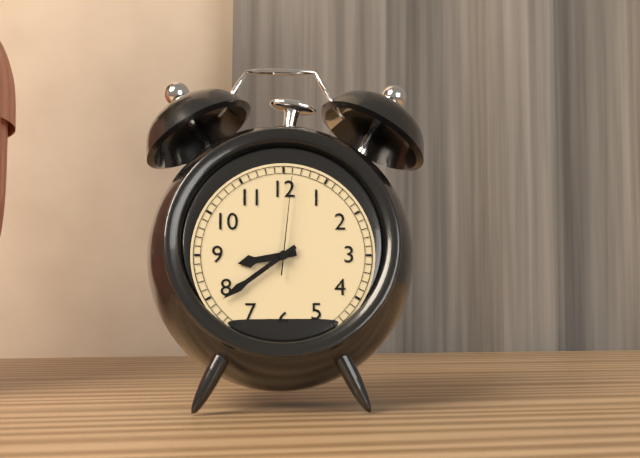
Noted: 8h39m01s
